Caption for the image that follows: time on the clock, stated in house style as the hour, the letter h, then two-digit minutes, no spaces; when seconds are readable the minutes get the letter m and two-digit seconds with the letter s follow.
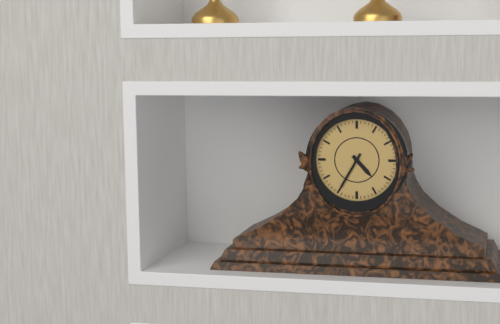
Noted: 4h35
